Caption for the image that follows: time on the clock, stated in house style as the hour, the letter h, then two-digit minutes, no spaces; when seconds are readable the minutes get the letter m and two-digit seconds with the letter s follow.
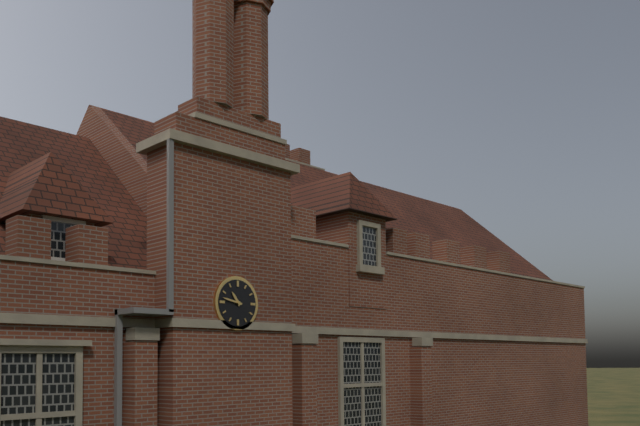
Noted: 10h47
